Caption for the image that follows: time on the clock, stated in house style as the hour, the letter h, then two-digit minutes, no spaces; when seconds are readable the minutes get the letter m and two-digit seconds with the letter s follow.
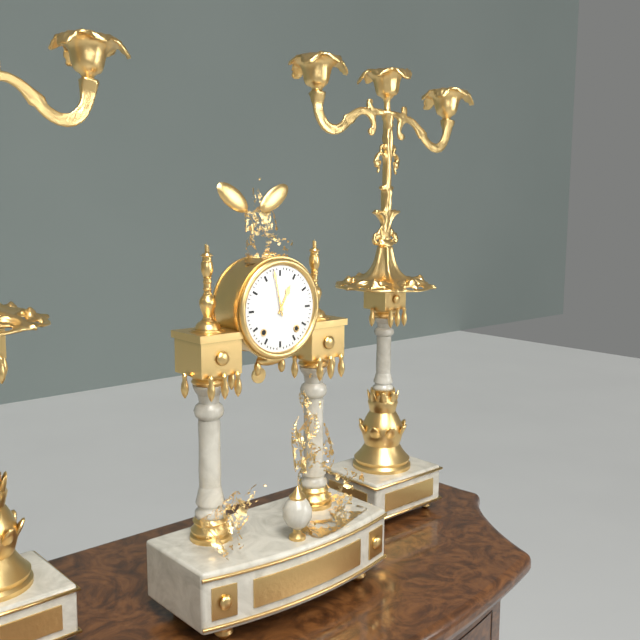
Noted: 12h58
